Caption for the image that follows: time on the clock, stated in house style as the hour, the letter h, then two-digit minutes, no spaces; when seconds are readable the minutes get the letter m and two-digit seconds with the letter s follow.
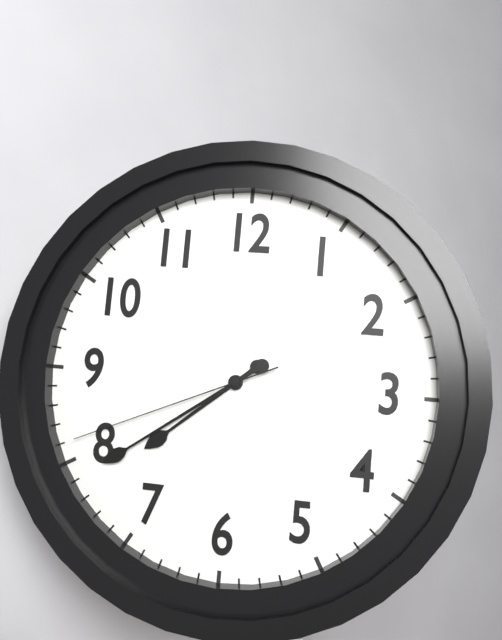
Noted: 7h39m41s
